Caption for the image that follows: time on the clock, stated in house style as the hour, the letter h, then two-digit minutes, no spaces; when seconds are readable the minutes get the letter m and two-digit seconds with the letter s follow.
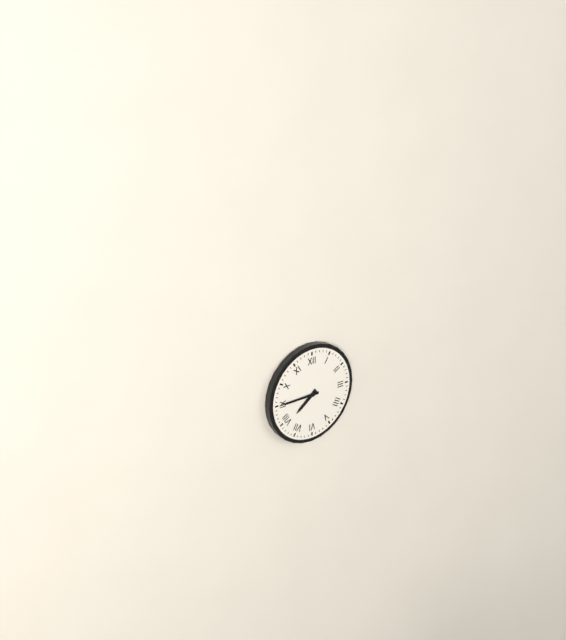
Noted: 7h45
